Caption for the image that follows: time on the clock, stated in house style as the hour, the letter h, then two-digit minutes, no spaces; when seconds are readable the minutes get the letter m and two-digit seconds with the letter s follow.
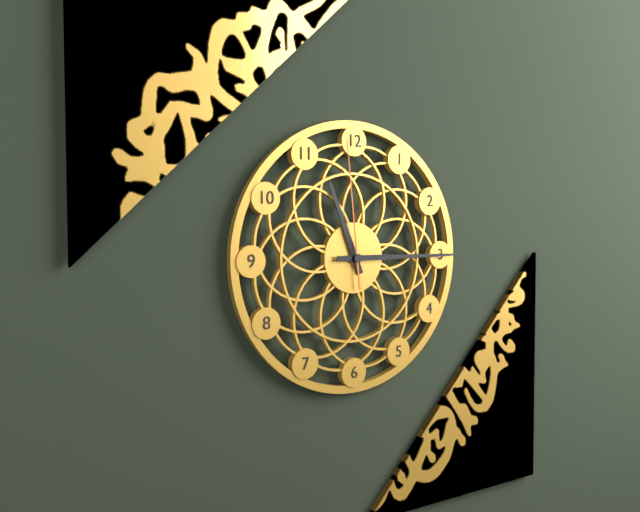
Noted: 11h15m59s
